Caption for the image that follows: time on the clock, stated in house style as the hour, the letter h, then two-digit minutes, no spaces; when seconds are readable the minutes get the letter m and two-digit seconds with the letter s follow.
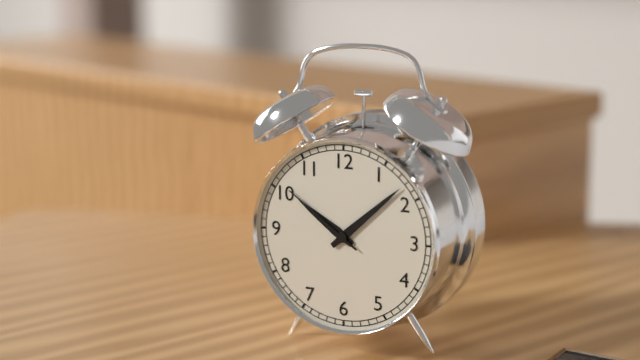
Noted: 10h08m51s
